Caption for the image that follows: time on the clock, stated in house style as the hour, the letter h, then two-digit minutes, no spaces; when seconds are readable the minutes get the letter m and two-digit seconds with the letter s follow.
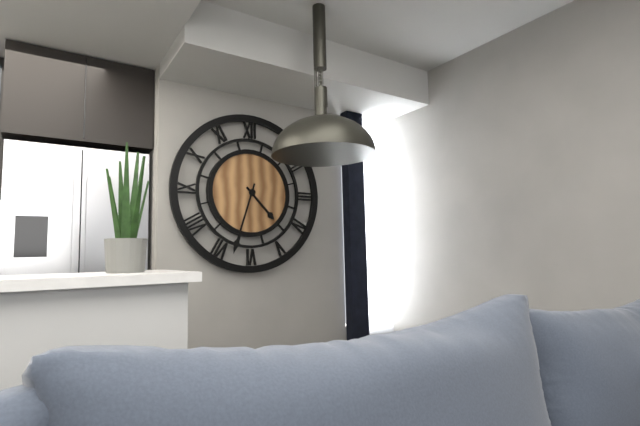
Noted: 4h33
